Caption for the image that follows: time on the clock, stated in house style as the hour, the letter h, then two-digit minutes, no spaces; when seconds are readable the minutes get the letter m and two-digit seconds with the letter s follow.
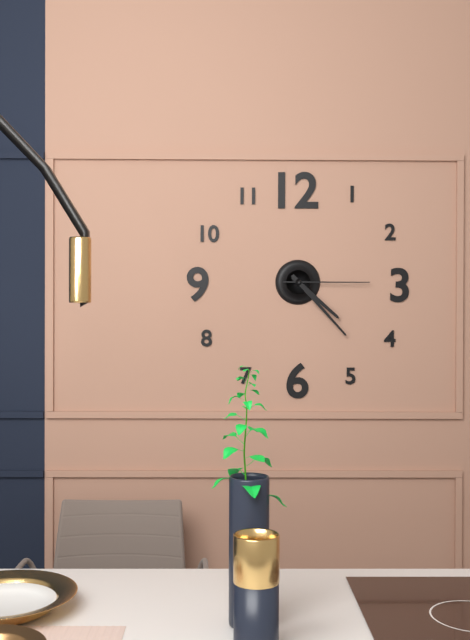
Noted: 4h23m15s
